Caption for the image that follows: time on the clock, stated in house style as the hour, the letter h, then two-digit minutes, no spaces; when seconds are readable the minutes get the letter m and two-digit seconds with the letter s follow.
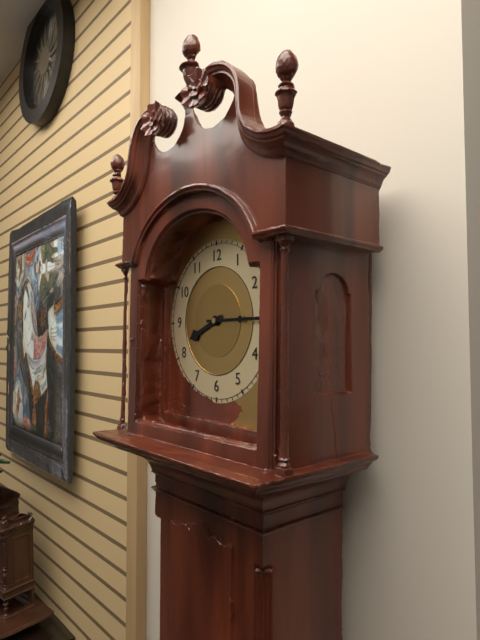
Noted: 8h15
